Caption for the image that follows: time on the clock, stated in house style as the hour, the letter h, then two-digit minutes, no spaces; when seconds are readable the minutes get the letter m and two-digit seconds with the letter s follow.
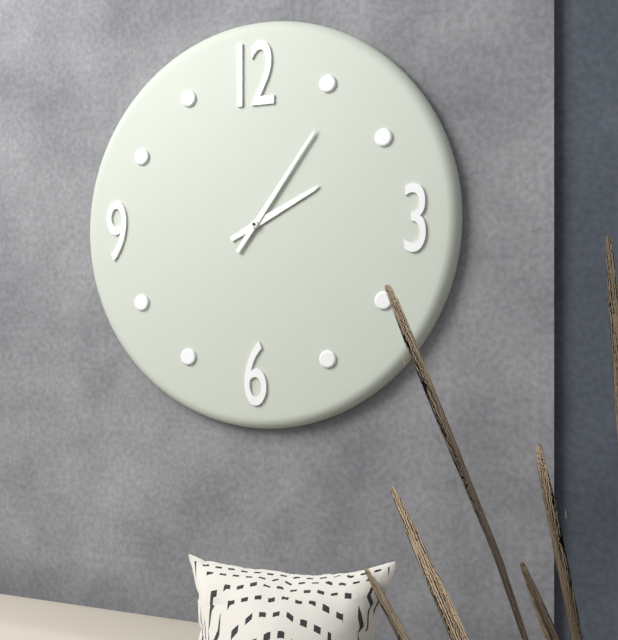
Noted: 2h06
